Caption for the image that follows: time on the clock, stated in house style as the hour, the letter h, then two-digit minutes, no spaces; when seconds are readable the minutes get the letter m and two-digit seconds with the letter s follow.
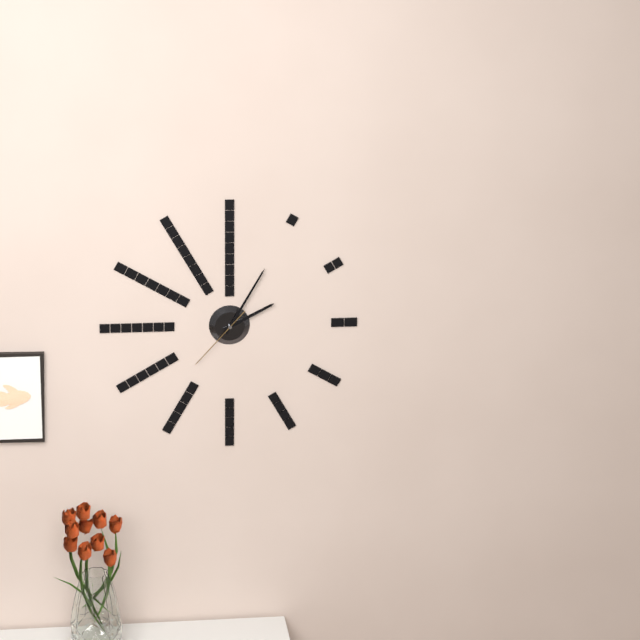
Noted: 2h05m37s
